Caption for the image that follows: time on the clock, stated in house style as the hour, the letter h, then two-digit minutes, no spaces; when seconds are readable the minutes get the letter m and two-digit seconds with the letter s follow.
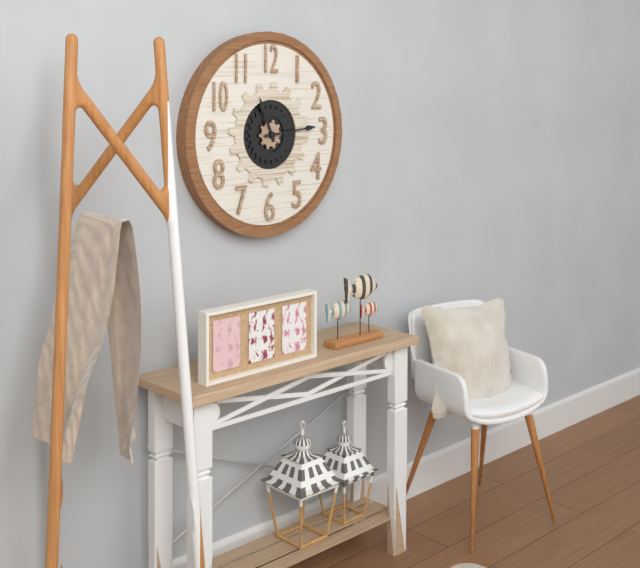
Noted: 11h14
